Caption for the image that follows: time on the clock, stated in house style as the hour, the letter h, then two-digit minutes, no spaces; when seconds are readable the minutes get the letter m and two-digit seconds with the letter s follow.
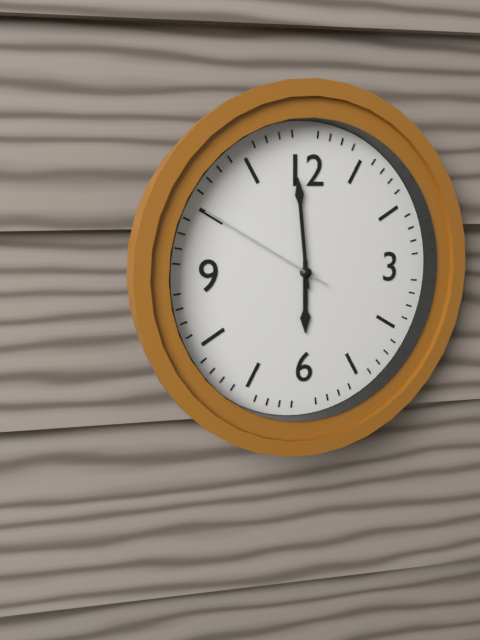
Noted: 5h59m50s
